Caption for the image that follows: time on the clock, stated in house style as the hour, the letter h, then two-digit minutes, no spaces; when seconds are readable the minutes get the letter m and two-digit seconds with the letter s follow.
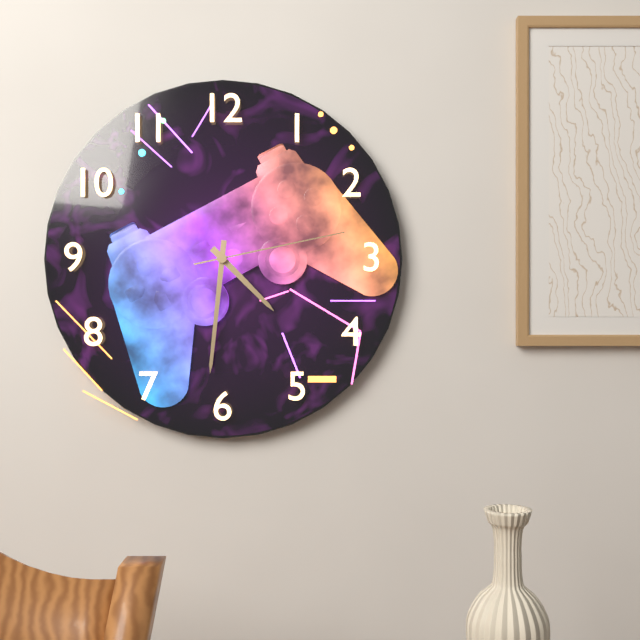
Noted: 4h31m13s
